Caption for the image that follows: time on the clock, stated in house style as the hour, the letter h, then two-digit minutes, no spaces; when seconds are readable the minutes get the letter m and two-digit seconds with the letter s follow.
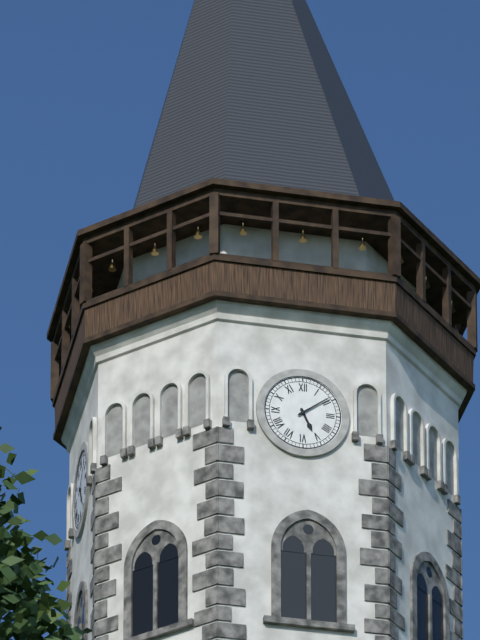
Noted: 5h09
